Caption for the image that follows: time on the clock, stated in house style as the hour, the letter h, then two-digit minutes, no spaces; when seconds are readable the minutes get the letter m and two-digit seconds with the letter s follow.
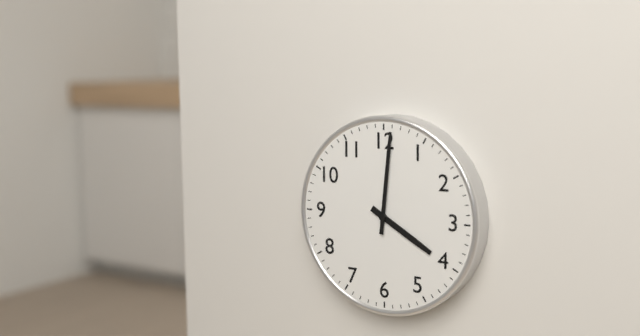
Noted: 4h01
